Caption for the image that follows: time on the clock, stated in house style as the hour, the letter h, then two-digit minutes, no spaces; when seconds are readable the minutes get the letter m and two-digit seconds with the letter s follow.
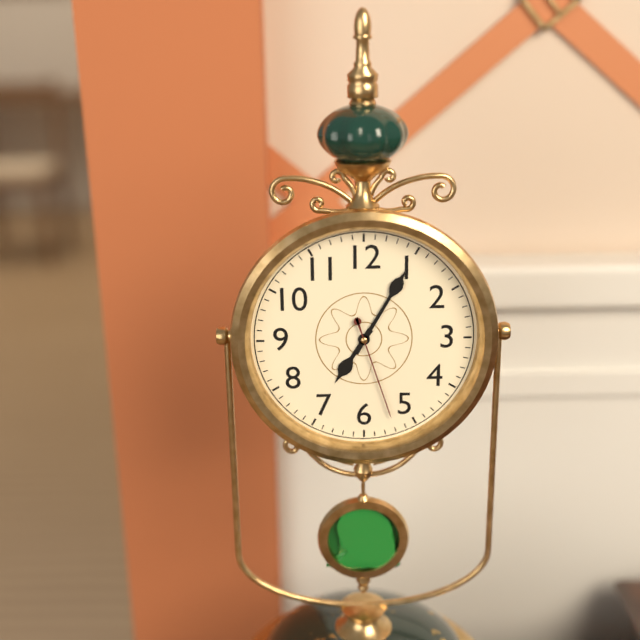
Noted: 7h05m27s
